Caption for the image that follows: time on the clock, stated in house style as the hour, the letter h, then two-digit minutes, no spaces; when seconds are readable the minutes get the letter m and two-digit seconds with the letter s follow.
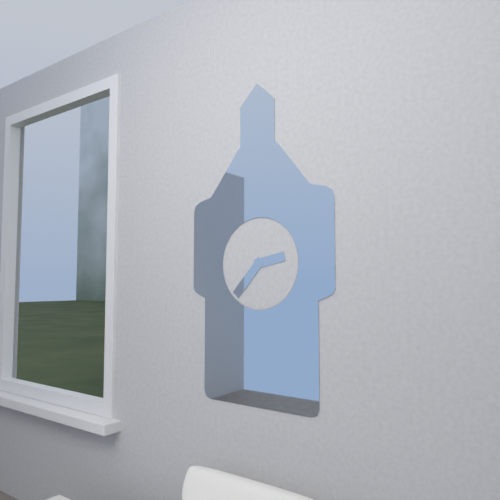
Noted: 2h37
